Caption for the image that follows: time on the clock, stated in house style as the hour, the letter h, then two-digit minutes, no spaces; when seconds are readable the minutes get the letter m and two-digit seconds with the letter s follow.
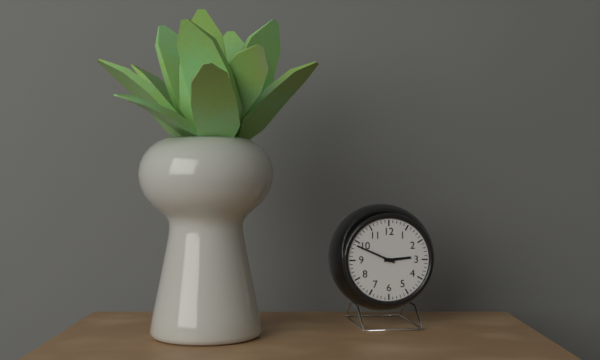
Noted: 2h49
